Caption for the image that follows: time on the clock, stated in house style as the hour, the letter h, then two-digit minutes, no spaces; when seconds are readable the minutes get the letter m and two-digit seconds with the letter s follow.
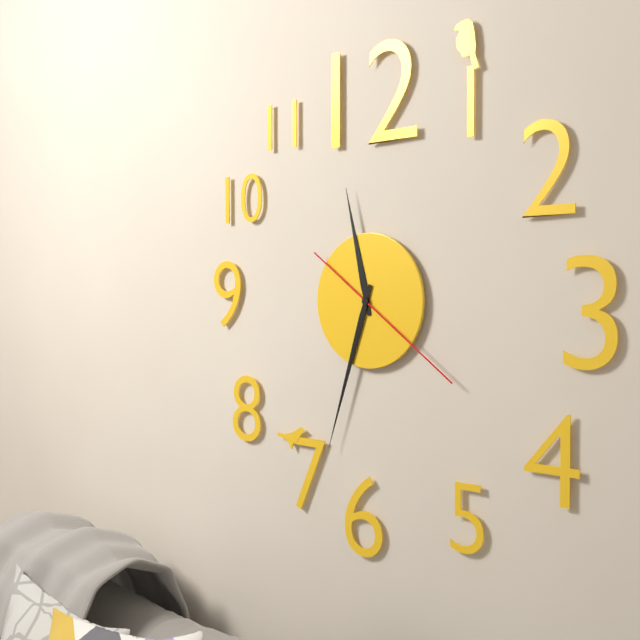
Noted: 11h33m21s
